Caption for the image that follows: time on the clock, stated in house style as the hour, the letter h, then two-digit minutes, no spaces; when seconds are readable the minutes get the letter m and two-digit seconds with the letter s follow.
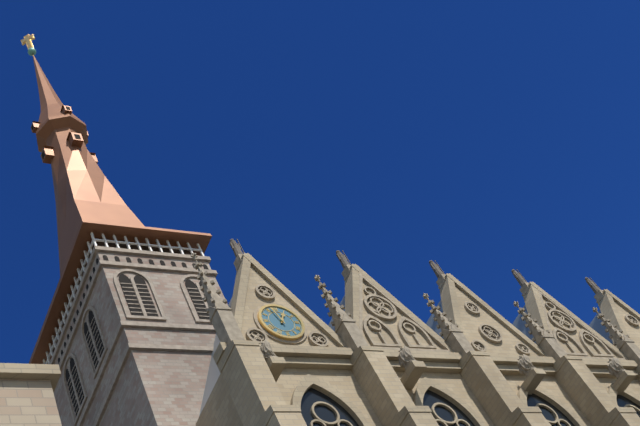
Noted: 12h57
